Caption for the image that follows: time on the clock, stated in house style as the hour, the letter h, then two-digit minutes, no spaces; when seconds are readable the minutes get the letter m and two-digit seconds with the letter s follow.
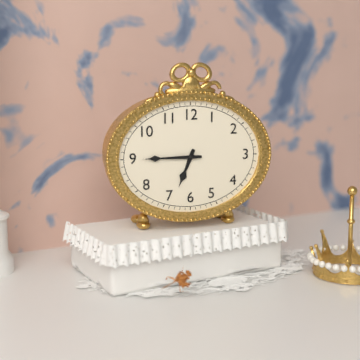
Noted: 6h45
